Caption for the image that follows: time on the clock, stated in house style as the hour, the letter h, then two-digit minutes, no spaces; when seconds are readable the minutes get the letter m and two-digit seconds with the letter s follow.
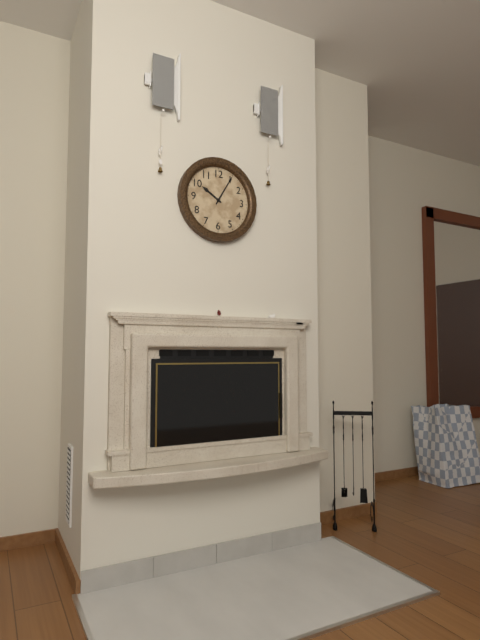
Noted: 10h05
